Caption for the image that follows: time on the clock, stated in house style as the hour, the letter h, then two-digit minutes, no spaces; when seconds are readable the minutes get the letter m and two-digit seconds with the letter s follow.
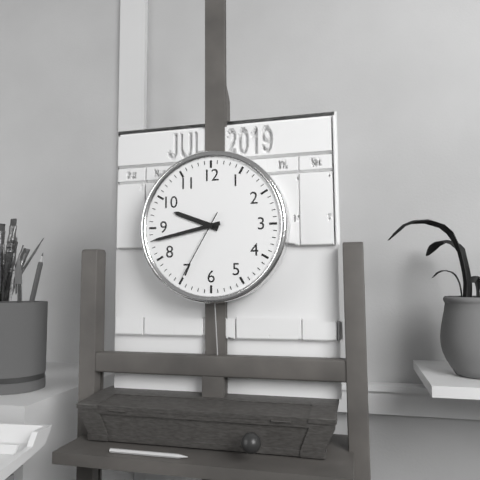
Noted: 9h43m35s
